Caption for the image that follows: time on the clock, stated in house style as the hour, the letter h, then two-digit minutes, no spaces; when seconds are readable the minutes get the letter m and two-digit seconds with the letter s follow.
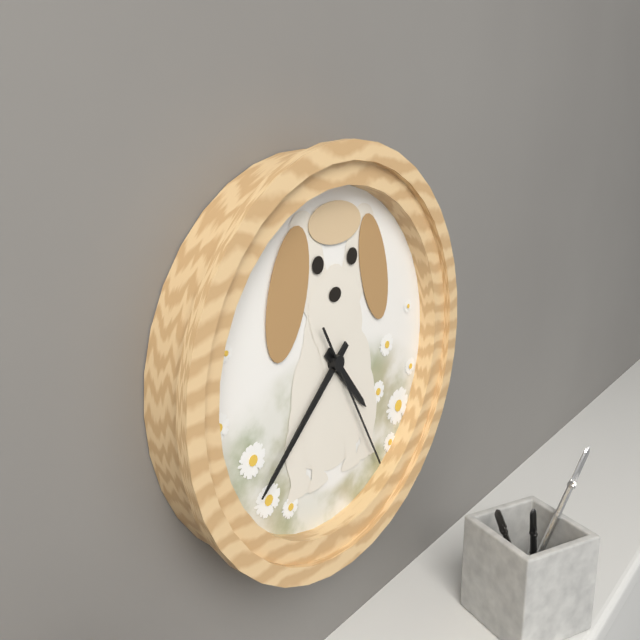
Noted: 4h38m25s
